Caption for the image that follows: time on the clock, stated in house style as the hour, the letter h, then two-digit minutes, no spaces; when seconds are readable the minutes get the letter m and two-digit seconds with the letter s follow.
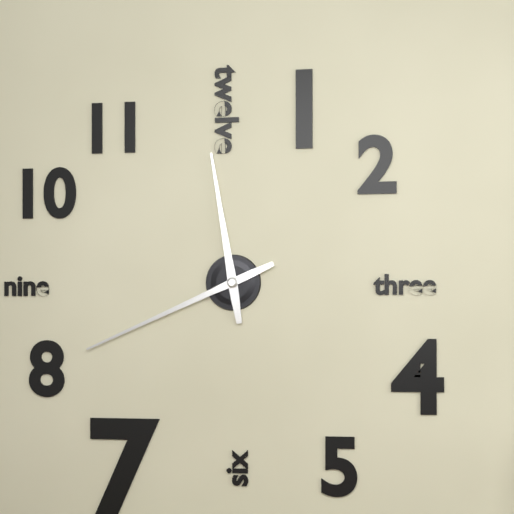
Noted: 11h41
